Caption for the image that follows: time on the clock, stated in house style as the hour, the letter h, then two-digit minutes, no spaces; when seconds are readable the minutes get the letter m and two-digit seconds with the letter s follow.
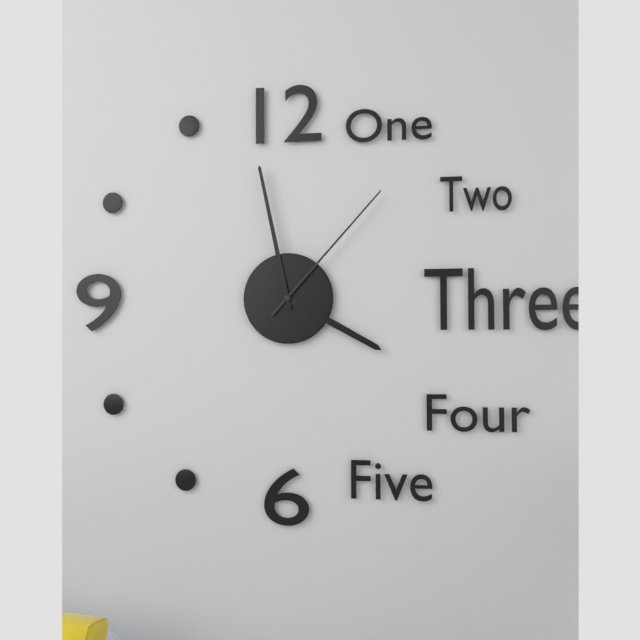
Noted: 3h58m07s
